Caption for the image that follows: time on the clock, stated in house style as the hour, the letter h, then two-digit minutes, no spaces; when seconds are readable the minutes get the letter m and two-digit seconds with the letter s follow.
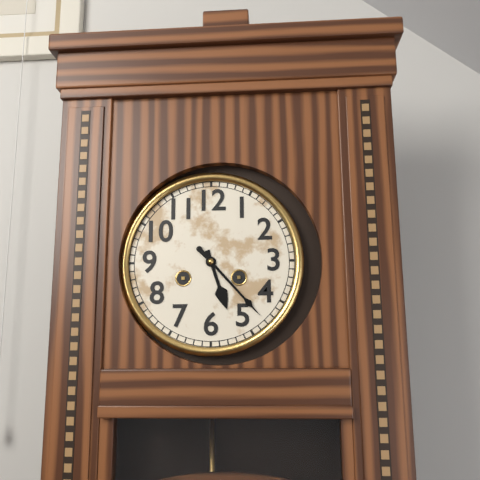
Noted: 5h23
